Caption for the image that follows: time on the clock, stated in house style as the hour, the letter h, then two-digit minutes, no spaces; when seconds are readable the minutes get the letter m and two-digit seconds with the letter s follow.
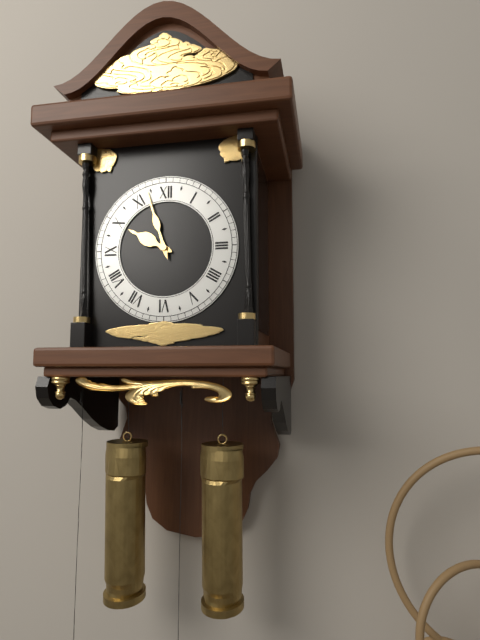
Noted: 9h57
